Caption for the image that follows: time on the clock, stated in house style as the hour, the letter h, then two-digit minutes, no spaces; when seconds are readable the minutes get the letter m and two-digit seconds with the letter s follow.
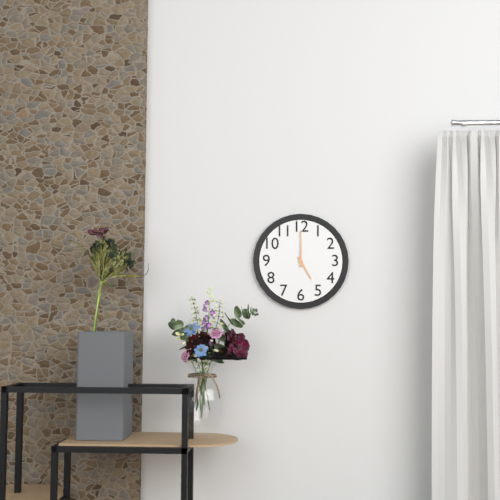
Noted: 5h00
